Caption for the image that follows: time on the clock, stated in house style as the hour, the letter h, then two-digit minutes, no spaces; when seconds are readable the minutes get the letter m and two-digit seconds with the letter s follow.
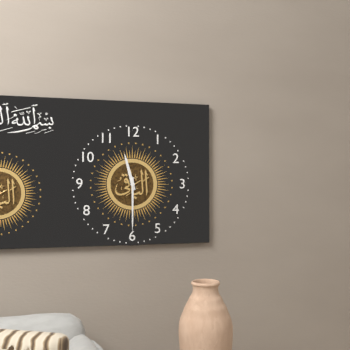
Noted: 11h30
